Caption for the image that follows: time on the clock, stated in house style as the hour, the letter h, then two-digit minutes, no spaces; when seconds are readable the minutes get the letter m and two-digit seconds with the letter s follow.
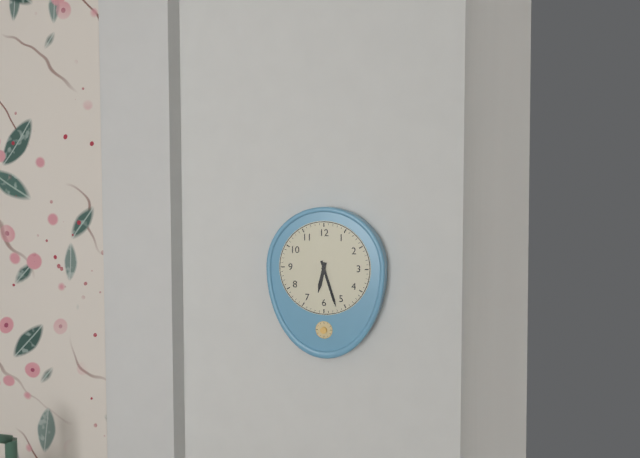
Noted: 6h27
